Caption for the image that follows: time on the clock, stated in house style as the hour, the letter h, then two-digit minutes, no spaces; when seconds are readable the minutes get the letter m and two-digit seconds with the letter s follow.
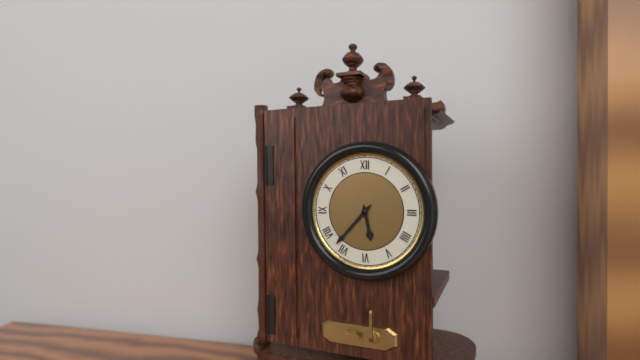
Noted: 5h37
